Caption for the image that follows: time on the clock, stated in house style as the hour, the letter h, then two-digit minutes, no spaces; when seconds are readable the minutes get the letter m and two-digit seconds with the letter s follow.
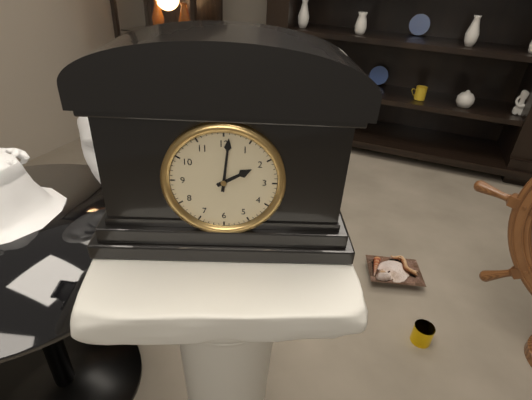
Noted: 2h01
